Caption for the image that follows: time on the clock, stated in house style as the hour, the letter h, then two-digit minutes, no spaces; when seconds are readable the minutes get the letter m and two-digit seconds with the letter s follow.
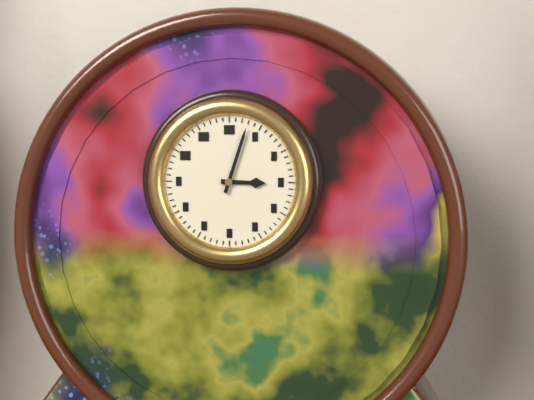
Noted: 3h03
